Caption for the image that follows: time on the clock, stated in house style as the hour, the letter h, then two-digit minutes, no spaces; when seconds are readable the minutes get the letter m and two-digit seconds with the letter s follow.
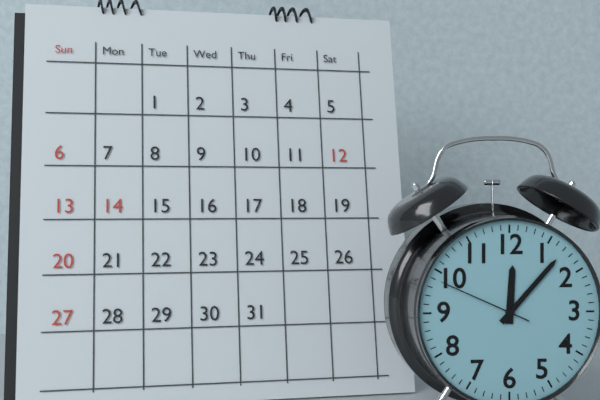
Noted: 12h07m49s
